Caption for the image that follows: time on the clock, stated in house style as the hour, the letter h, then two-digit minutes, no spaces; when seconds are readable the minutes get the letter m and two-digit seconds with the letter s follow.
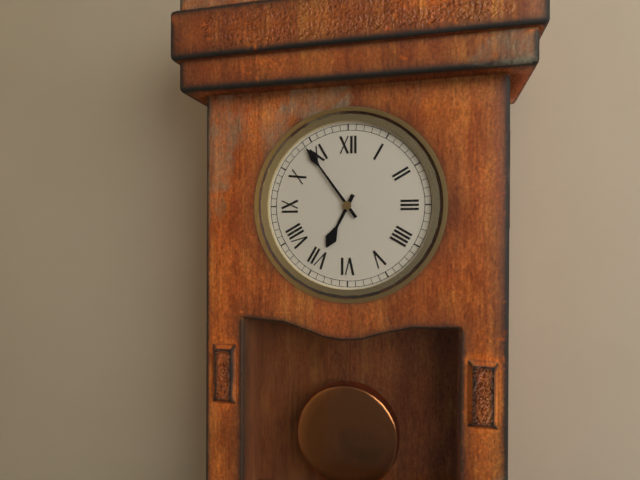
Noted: 6h54
